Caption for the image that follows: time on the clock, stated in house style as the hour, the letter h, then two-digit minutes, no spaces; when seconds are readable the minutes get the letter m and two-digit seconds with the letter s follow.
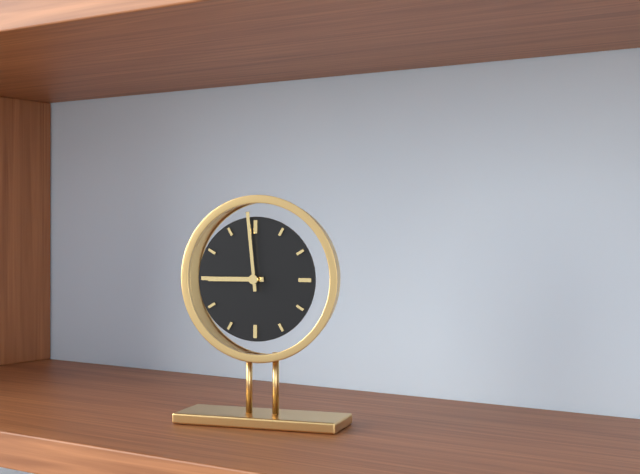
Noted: 8h59
